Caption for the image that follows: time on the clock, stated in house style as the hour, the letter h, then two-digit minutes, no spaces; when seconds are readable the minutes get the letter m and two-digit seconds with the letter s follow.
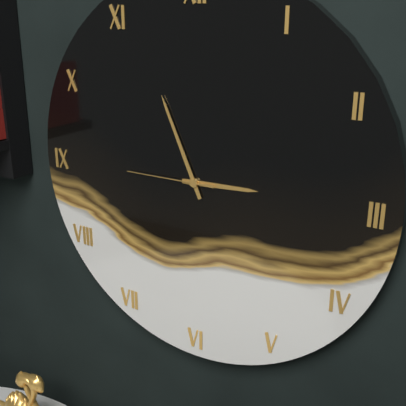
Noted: 2h56m45s
